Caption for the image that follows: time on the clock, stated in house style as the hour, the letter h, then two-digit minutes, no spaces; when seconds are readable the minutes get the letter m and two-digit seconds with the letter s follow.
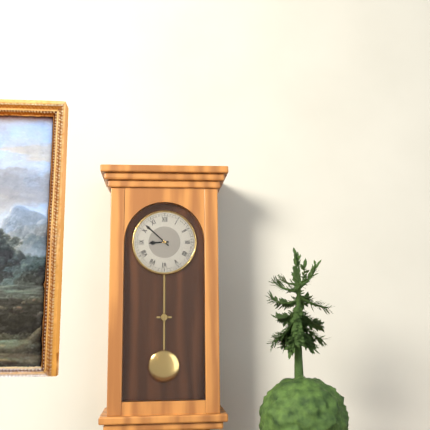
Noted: 8h52
